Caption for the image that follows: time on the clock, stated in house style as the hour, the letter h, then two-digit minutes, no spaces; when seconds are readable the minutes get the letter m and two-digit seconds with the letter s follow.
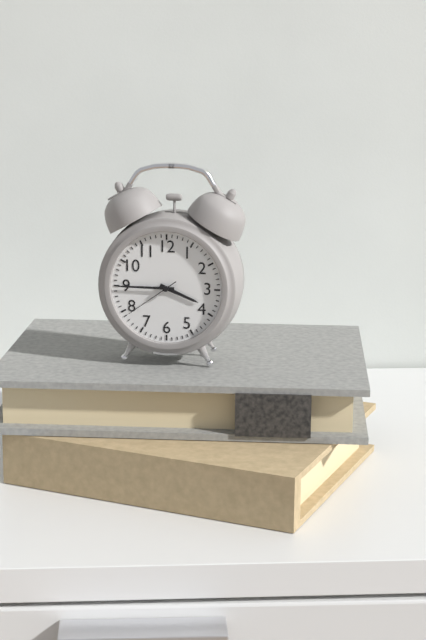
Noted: 3h45m39s
